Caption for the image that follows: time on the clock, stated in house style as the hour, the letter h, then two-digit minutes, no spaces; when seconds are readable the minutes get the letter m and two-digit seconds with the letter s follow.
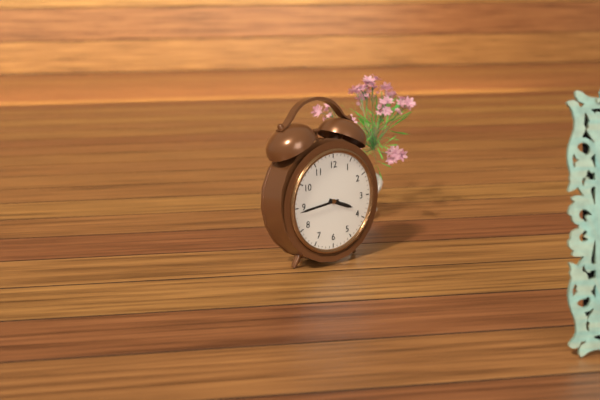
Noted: 3h44
